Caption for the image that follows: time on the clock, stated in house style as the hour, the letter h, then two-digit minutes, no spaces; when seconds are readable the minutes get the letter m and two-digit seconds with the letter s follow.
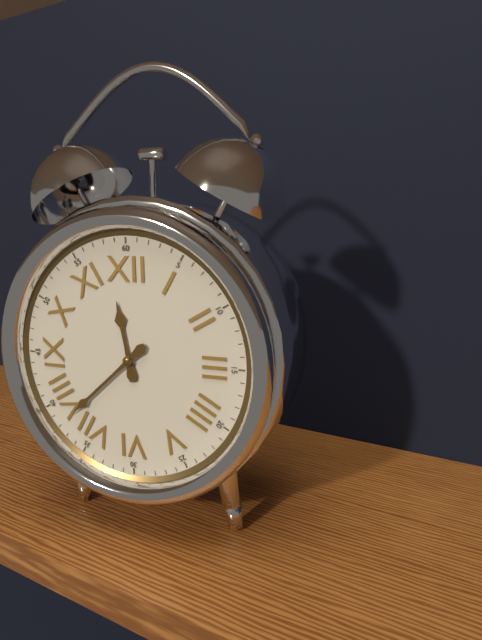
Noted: 11h38
